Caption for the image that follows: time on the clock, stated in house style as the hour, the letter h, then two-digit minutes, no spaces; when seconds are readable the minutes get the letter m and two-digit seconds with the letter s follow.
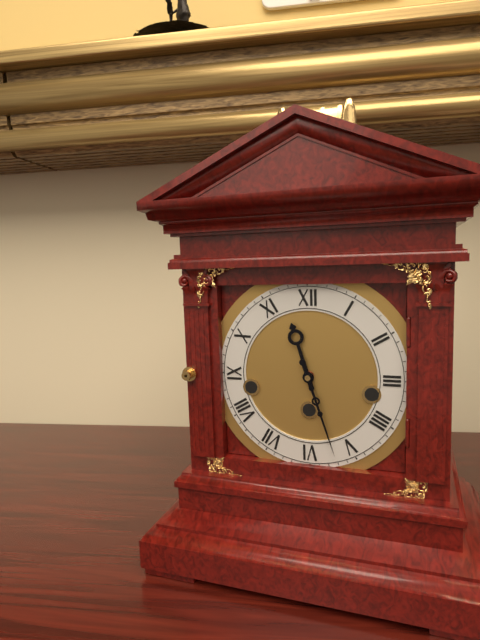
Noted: 11h27
